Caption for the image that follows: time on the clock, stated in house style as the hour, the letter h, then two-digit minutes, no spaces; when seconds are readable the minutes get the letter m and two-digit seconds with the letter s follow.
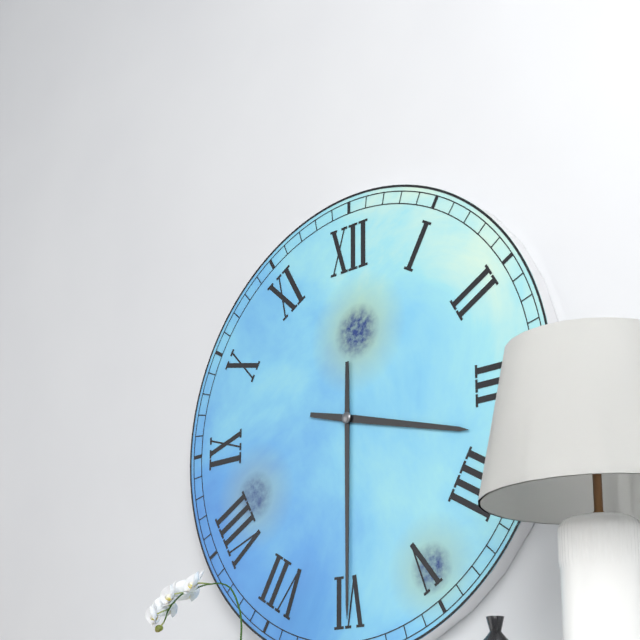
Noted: 3h30
